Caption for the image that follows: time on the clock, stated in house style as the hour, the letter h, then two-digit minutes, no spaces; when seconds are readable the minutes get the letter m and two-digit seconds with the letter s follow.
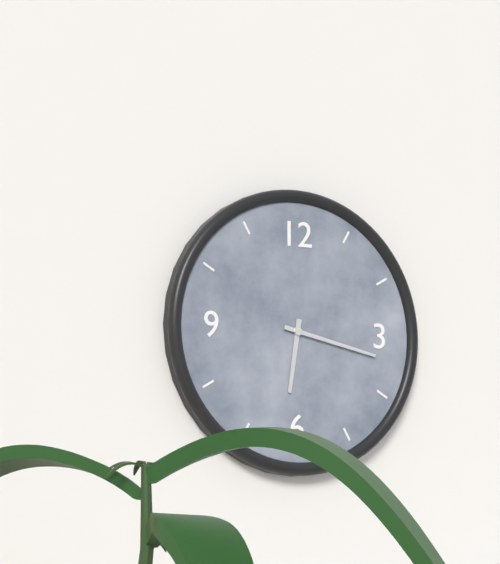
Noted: 6h17
